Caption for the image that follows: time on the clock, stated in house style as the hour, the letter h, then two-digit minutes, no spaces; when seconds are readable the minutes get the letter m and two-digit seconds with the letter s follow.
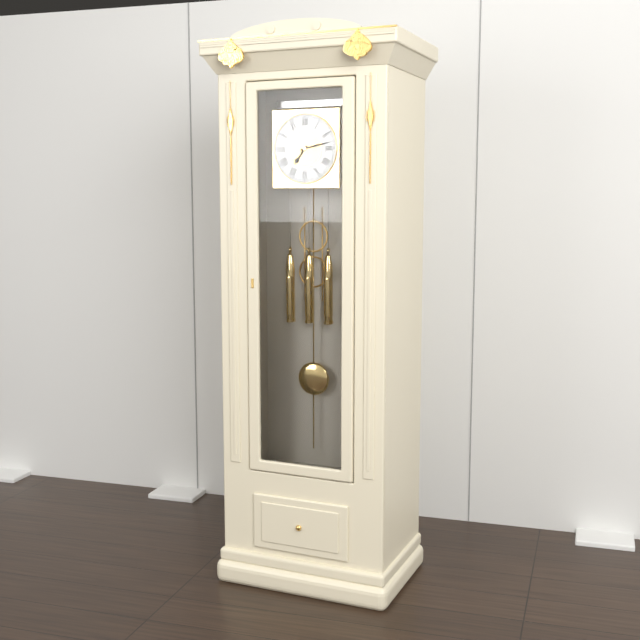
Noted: 7h13
